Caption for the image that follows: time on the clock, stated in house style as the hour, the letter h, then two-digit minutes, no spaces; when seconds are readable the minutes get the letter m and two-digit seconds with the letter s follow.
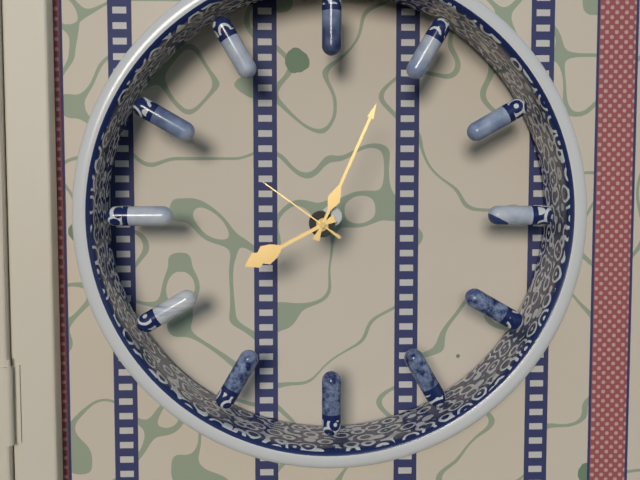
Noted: 8h04m51s
